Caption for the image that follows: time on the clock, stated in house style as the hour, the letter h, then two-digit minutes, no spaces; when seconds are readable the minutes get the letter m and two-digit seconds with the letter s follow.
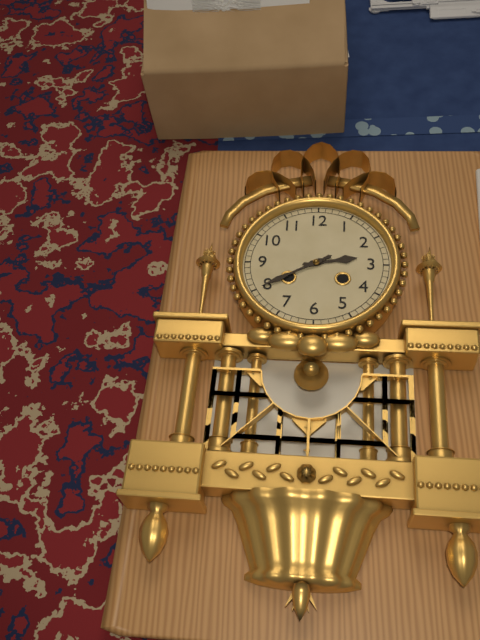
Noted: 2h40
